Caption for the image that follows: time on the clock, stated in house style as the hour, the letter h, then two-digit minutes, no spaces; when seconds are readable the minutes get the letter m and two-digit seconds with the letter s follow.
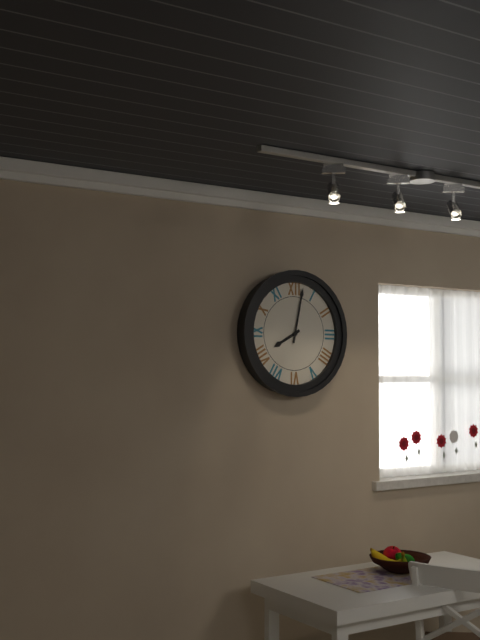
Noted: 8h02
